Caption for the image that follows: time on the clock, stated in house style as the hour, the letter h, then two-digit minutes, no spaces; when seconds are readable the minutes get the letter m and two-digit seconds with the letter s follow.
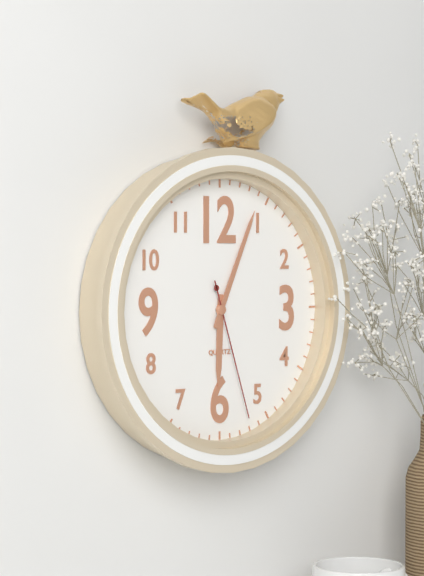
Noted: 6h04m27s
